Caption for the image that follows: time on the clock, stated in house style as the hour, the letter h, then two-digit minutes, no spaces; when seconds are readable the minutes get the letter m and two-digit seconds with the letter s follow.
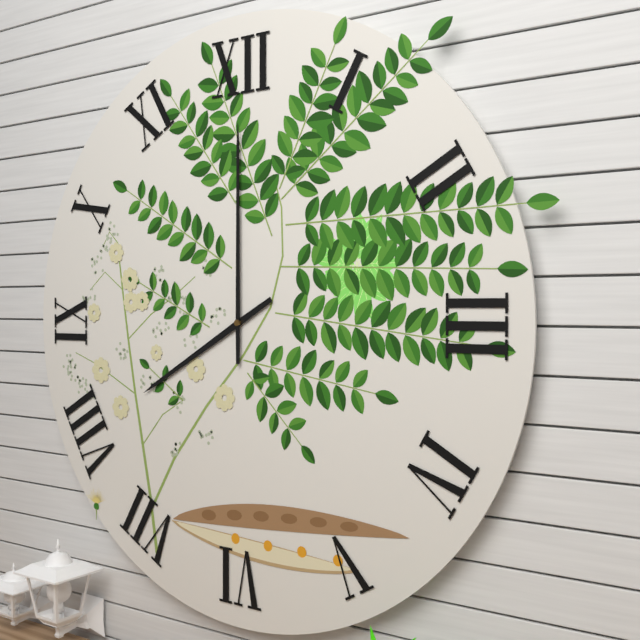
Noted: 8h00
